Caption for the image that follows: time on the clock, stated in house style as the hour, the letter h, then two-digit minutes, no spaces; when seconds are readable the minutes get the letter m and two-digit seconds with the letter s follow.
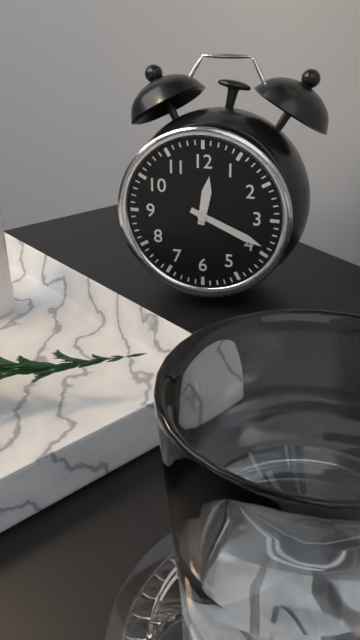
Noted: 12h19
